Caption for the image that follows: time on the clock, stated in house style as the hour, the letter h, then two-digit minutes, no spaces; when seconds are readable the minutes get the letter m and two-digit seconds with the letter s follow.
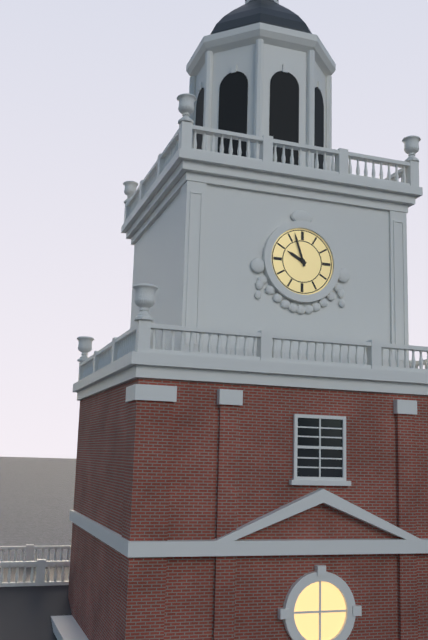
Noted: 9h57
